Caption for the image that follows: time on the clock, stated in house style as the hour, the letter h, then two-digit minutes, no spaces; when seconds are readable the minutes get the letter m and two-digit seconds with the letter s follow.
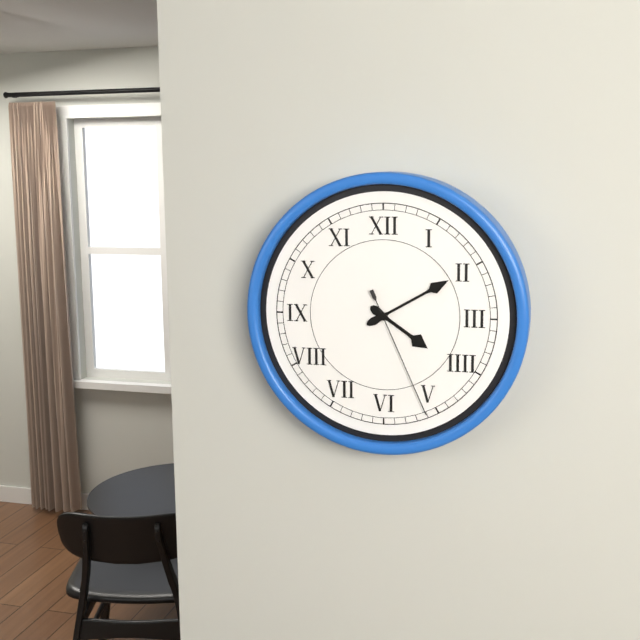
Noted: 4h10m26s
